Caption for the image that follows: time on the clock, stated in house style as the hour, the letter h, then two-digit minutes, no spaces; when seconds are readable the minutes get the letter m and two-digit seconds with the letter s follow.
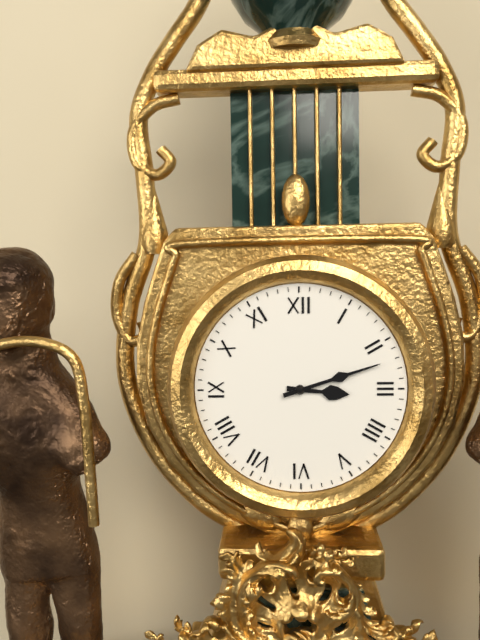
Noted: 3h12
